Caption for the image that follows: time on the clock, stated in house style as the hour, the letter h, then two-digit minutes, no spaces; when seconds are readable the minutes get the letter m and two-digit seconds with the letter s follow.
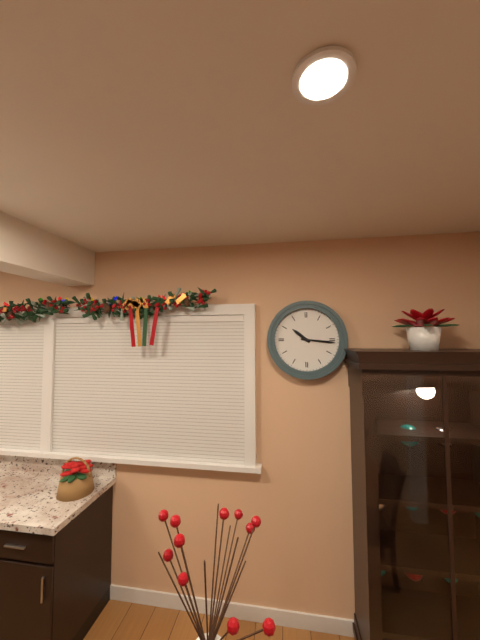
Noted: 10h16
